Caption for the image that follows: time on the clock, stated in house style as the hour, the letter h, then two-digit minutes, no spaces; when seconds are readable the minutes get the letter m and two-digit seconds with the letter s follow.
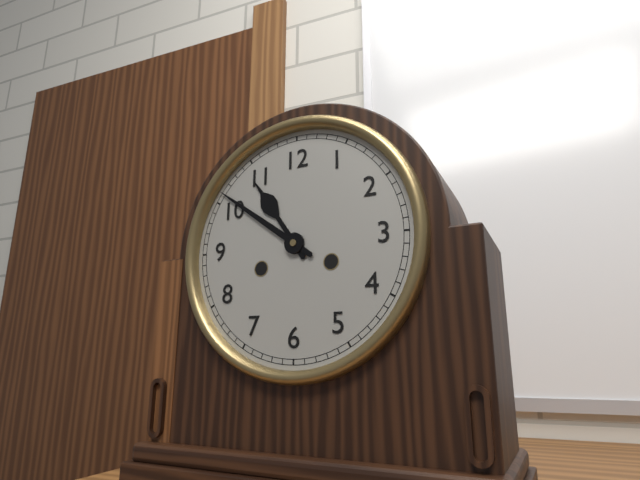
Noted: 10h51
